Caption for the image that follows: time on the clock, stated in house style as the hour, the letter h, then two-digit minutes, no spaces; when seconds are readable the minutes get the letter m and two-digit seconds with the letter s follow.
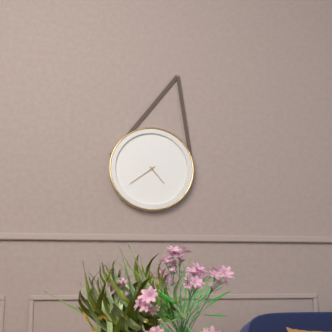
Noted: 4h39
